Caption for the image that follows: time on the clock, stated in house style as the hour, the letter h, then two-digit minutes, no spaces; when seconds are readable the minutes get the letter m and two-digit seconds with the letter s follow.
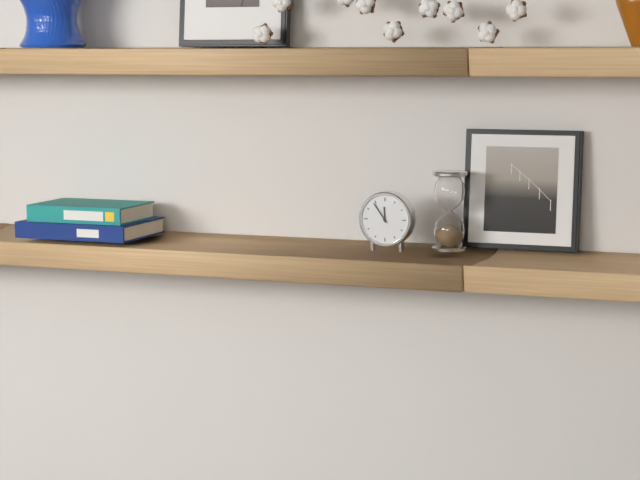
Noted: 11h54
